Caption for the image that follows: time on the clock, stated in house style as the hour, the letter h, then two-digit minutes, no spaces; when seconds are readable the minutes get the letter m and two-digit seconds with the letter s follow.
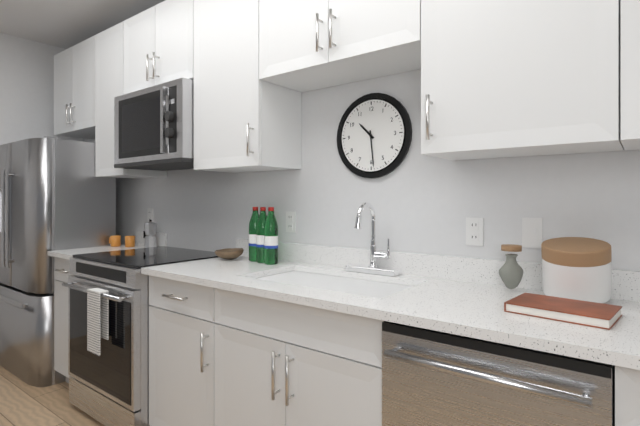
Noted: 10h29
